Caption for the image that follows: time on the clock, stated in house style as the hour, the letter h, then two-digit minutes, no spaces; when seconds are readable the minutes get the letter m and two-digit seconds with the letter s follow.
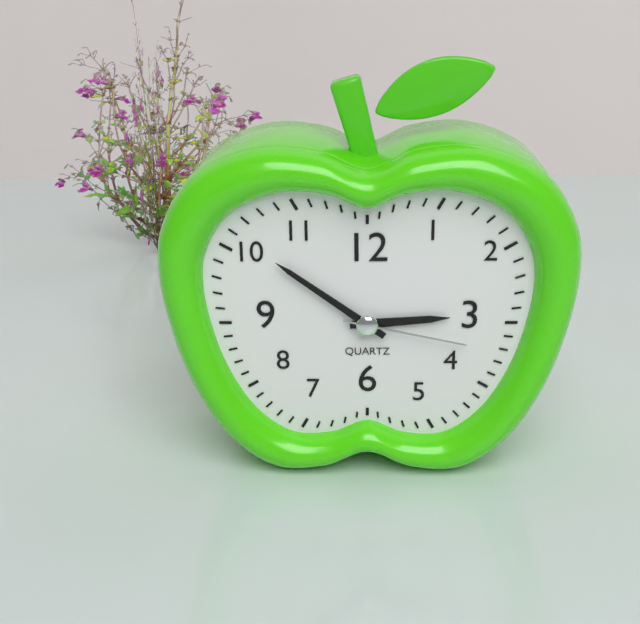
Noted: 2h51m17s
